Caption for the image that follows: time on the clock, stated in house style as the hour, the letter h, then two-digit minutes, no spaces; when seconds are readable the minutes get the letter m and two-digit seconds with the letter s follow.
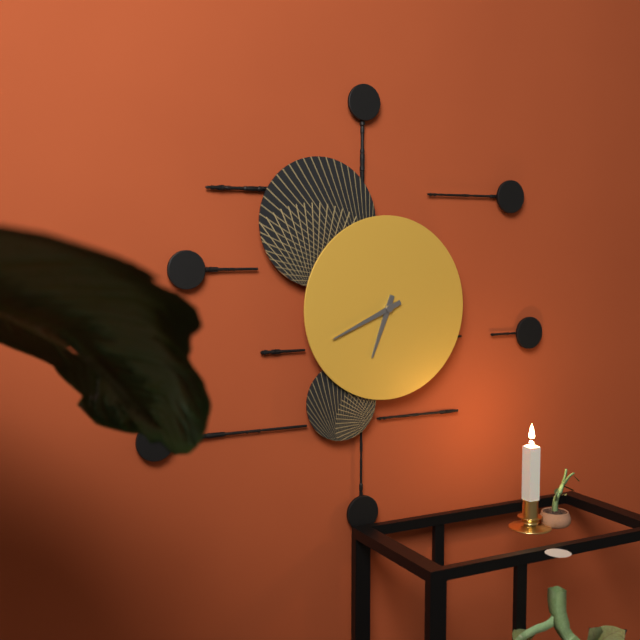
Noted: 6h41
